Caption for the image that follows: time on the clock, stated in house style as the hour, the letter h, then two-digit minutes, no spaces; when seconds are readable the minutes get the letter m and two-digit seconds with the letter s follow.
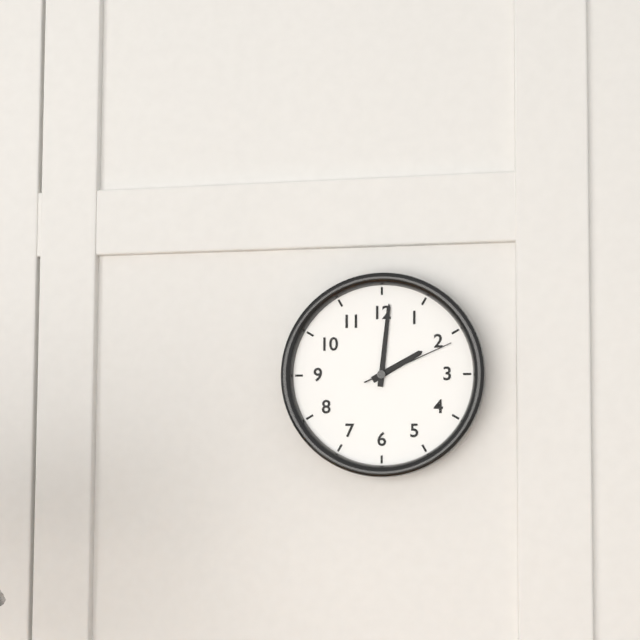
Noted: 2h01m11s
